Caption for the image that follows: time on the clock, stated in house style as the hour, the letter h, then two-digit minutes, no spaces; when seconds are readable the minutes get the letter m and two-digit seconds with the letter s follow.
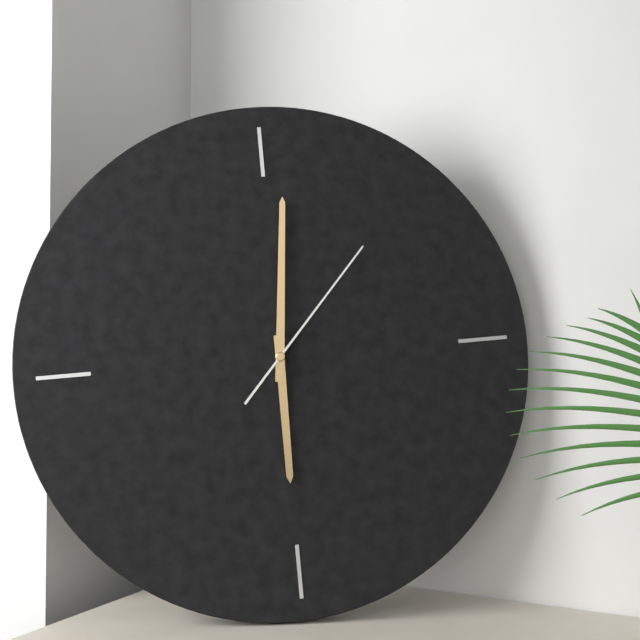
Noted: 6h01m07s
